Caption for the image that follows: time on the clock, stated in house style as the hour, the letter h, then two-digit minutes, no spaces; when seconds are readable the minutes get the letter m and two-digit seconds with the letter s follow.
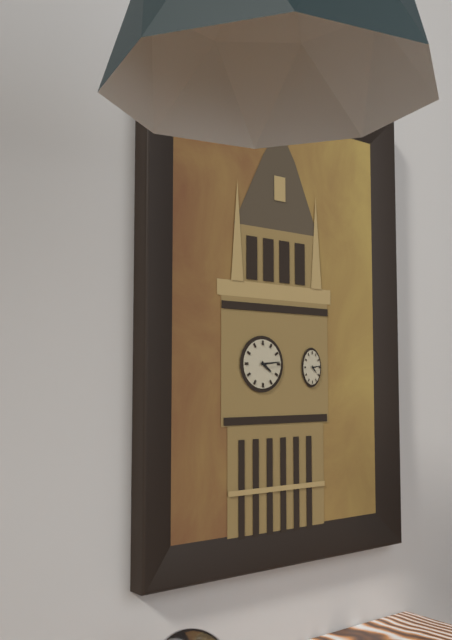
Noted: 4h14
